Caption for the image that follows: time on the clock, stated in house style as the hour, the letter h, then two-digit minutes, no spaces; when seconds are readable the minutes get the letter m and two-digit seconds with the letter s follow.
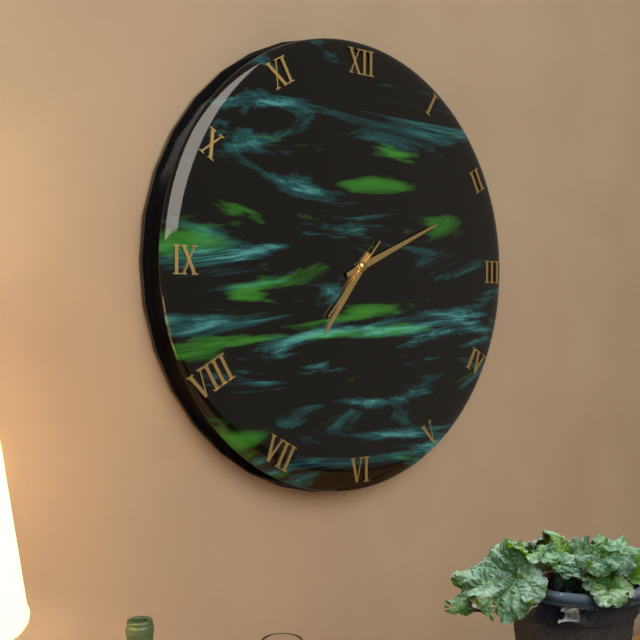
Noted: 7h11m37s
